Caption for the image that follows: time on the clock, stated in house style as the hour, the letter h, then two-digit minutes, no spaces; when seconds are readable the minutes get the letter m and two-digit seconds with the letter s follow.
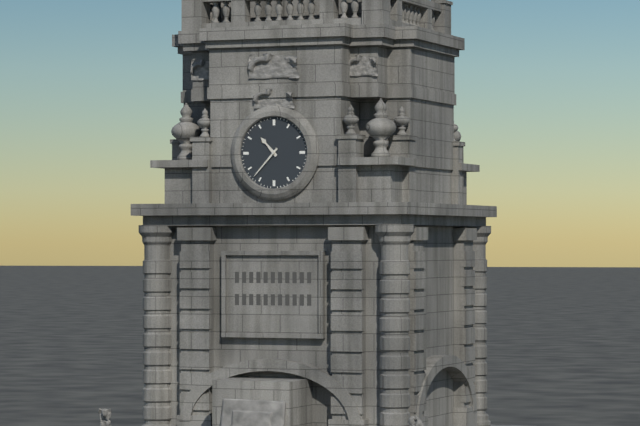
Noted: 10h37
